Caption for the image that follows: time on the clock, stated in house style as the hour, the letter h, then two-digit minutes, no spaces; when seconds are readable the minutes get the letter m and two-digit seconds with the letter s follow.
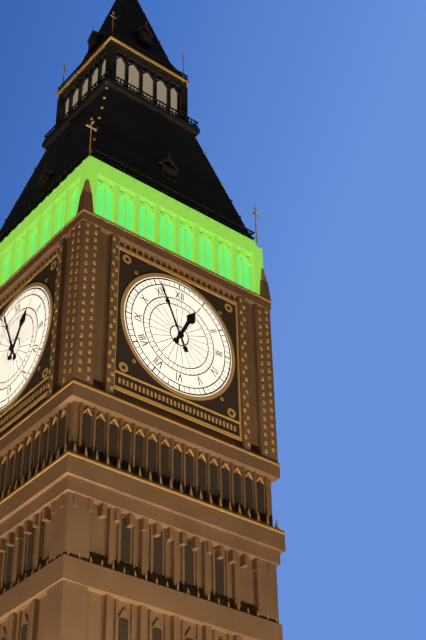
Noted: 12h56
